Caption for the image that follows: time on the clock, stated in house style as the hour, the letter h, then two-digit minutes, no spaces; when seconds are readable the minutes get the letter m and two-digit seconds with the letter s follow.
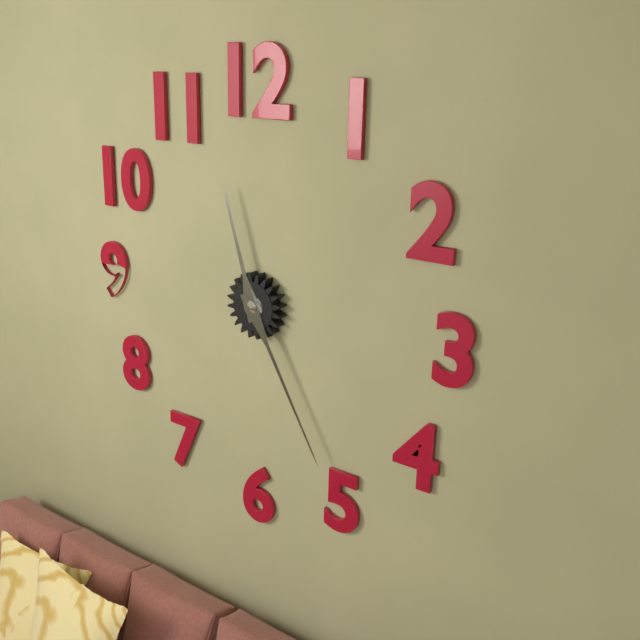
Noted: 11h25
